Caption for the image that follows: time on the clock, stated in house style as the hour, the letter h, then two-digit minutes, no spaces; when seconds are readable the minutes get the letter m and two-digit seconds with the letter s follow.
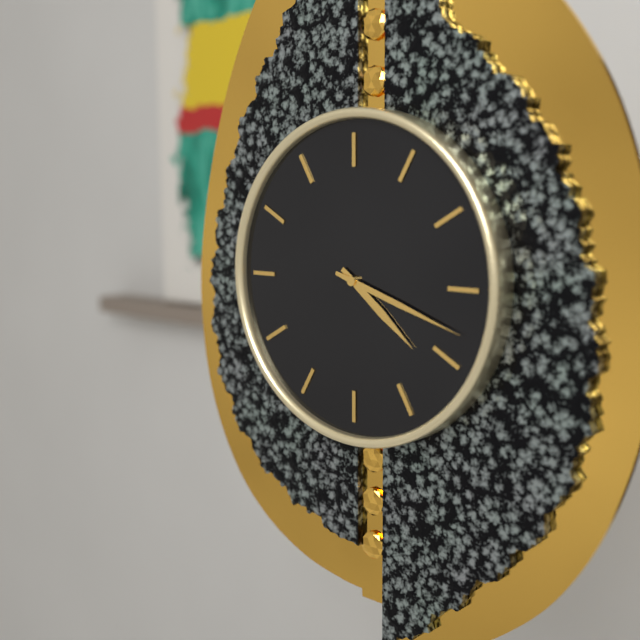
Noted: 4h18
